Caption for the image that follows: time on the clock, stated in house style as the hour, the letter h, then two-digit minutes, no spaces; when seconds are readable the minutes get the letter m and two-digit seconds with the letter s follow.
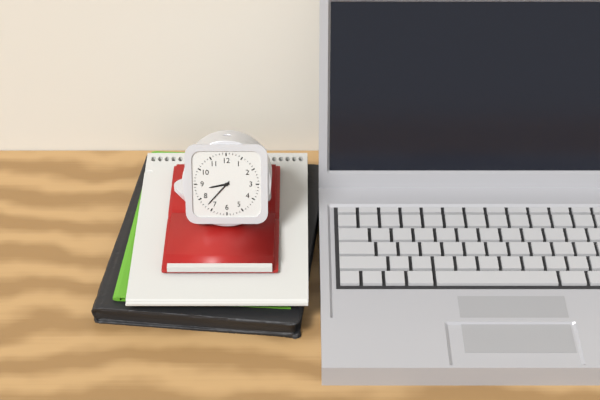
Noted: 8h37
